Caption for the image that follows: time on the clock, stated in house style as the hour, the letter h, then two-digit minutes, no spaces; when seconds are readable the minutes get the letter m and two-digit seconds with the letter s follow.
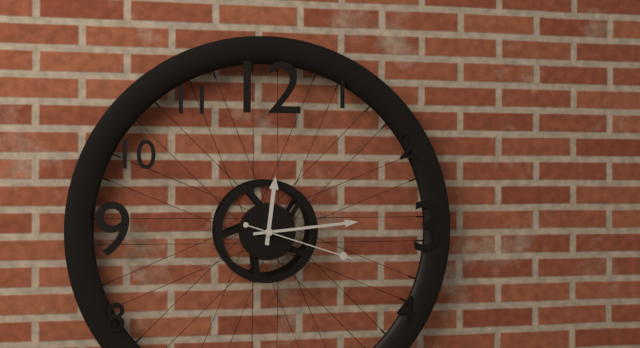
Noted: 12h14m18s
